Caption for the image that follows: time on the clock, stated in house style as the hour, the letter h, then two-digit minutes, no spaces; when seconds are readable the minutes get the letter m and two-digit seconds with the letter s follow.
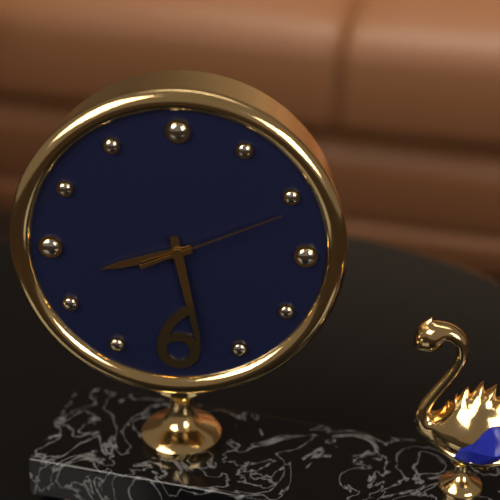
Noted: 8h28m11s
